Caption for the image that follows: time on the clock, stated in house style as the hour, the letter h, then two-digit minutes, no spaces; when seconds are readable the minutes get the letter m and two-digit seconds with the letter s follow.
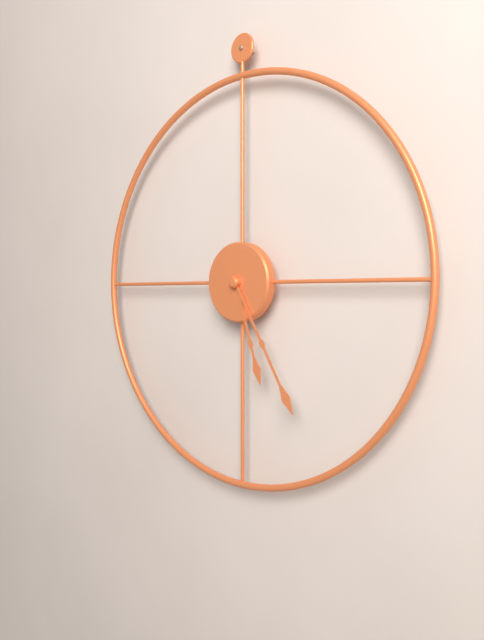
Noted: 5h25
